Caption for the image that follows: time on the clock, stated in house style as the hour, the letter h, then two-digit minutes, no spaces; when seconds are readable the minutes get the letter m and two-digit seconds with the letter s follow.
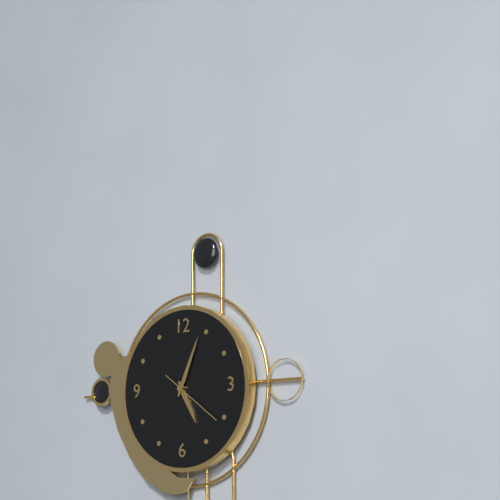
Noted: 5h04
